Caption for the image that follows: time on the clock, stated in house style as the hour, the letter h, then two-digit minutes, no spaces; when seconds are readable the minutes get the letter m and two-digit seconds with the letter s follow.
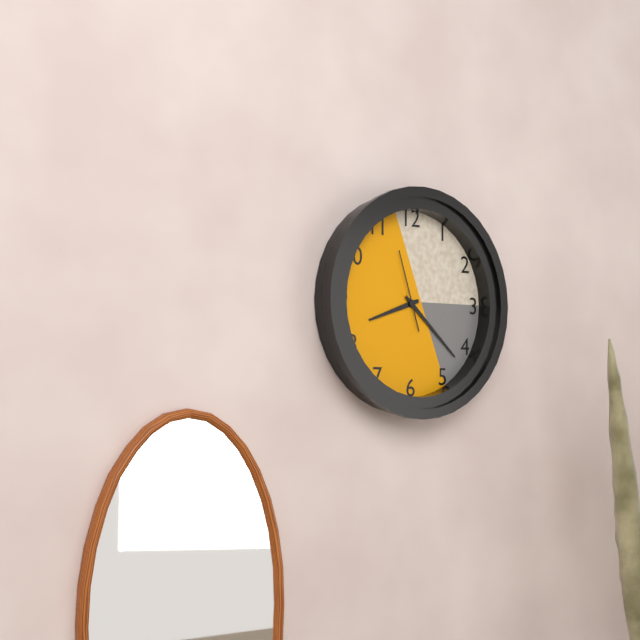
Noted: 8h22m57s
